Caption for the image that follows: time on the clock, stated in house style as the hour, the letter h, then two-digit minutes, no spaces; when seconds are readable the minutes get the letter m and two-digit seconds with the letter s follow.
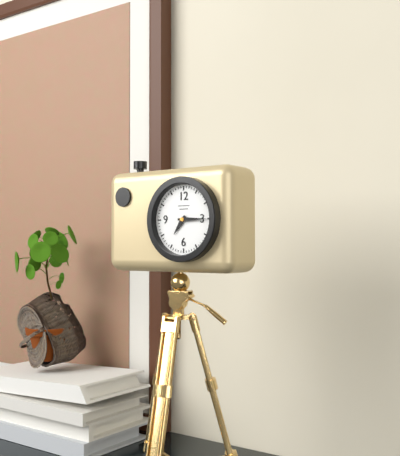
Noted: 7h15
